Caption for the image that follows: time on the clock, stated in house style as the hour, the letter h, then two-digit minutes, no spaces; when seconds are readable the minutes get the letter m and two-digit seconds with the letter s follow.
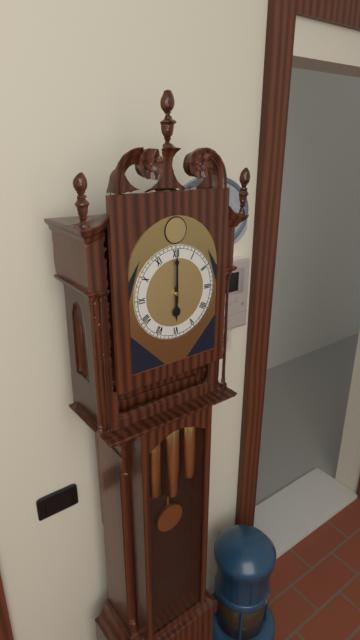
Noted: 6h00
